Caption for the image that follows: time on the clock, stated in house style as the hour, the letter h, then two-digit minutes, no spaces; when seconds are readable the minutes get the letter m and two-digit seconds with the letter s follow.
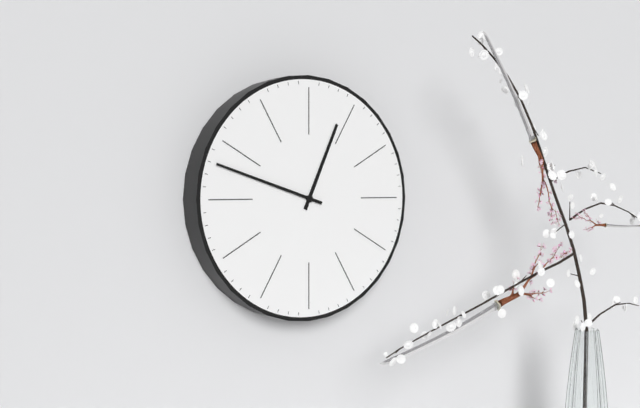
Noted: 12h48
